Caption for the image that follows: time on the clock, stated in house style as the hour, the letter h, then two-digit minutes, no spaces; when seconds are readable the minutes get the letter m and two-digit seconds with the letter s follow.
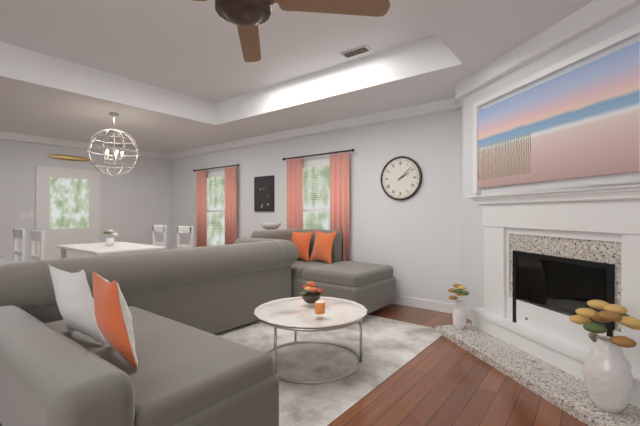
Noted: 2h08
